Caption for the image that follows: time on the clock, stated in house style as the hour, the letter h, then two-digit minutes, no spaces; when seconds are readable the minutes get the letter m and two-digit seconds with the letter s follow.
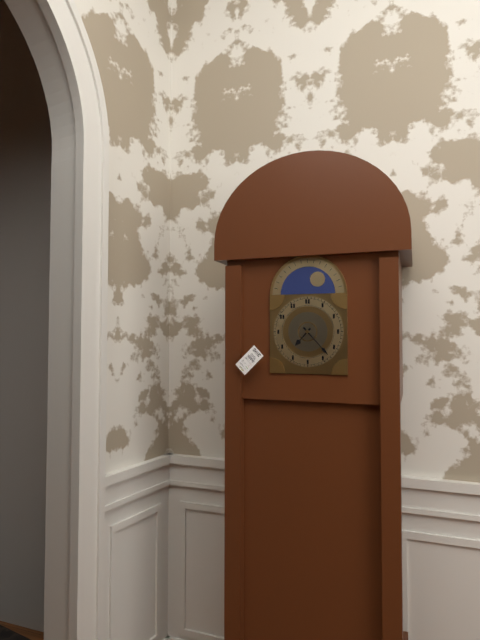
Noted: 7h23
